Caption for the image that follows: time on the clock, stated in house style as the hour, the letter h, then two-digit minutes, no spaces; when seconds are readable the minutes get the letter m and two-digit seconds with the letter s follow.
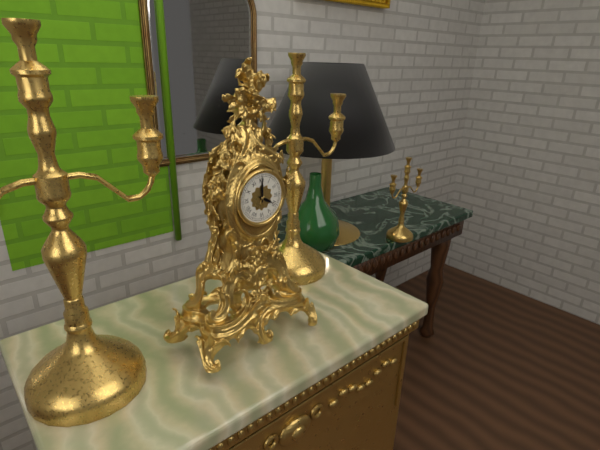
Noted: 4h00
